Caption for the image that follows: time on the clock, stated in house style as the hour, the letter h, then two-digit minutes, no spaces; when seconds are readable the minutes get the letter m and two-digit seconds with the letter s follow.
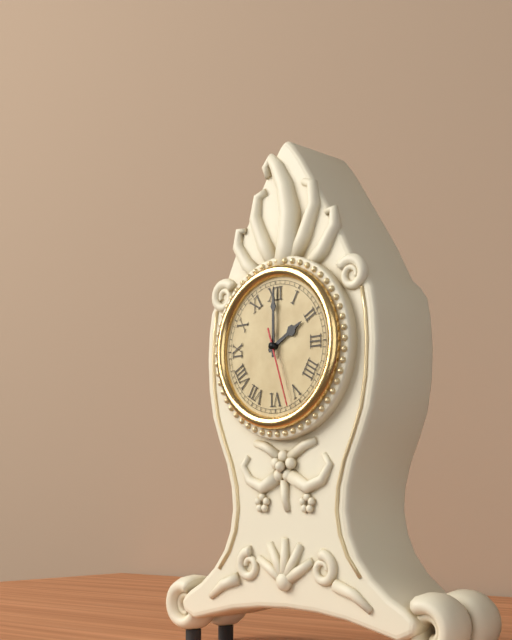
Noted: 2h00m27s
